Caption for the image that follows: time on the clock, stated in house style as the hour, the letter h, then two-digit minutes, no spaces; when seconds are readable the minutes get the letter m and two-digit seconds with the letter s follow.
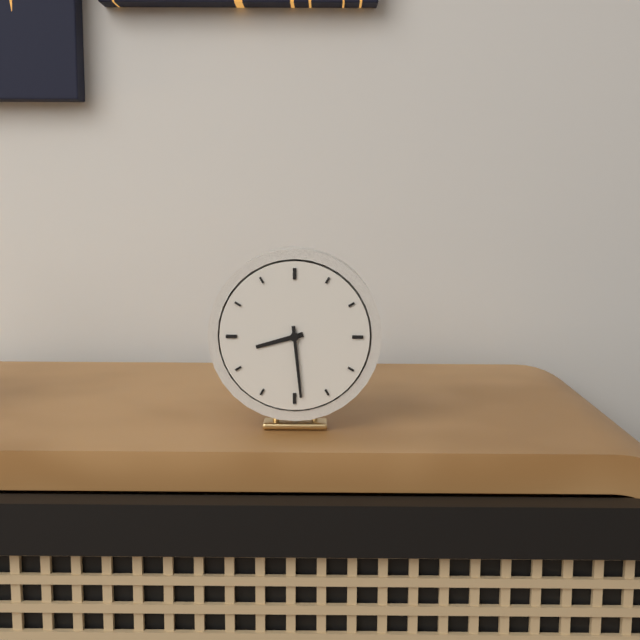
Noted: 8h29
